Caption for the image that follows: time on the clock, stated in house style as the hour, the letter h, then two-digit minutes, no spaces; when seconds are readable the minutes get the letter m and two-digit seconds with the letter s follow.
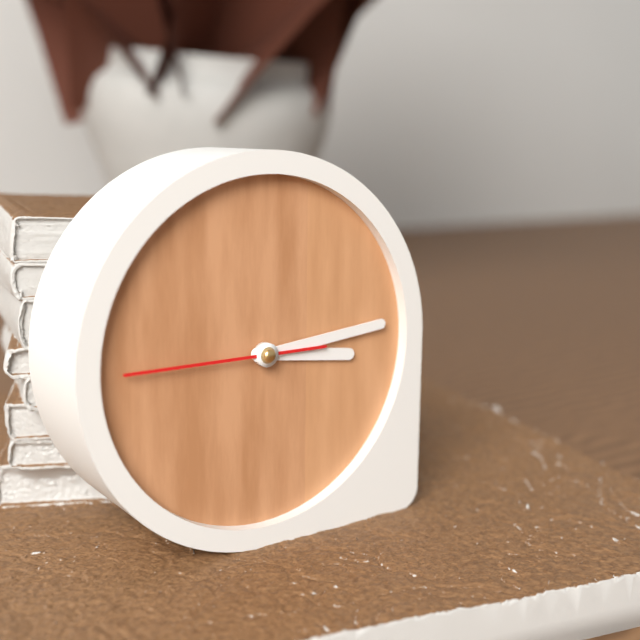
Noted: 3h14m45s
